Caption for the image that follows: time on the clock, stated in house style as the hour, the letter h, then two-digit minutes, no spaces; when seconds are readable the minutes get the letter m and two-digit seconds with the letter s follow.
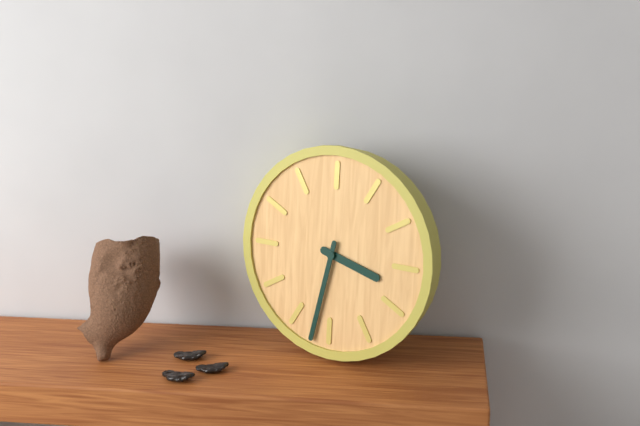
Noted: 3h32
